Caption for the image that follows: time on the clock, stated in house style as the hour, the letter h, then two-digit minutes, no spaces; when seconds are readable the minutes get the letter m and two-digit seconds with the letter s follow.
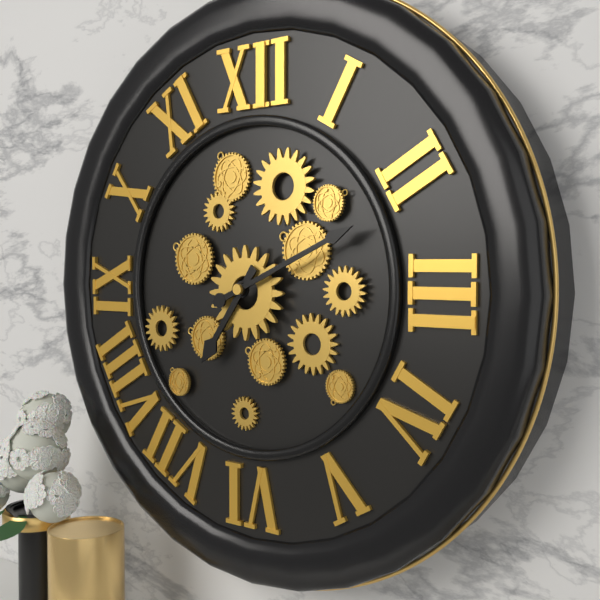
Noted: 7h11
